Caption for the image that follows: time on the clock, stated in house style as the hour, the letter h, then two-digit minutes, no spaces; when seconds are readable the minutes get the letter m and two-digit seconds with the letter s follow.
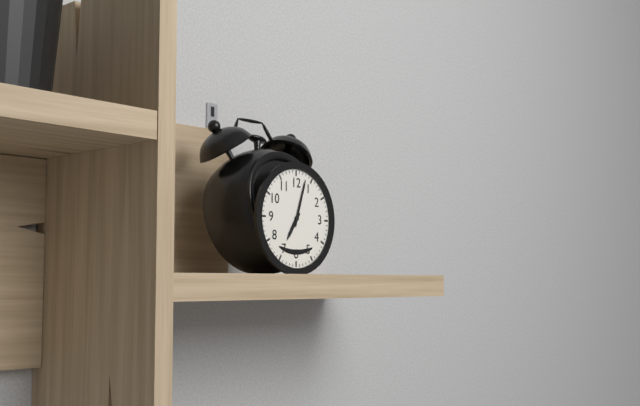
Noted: 7h03
